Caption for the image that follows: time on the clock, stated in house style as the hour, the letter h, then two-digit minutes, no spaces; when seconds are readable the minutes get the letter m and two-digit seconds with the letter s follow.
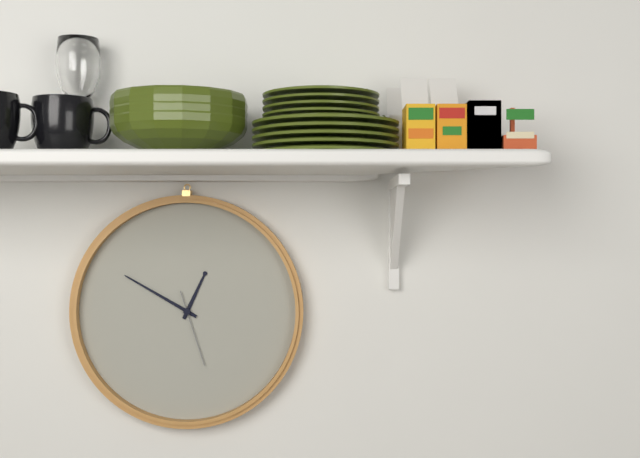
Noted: 12h50m27s
